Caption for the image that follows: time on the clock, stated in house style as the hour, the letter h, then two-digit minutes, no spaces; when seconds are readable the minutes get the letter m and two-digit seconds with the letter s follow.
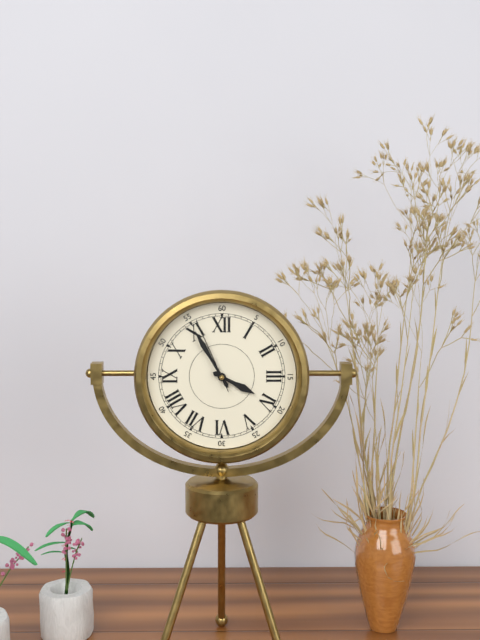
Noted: 3h55m56s
